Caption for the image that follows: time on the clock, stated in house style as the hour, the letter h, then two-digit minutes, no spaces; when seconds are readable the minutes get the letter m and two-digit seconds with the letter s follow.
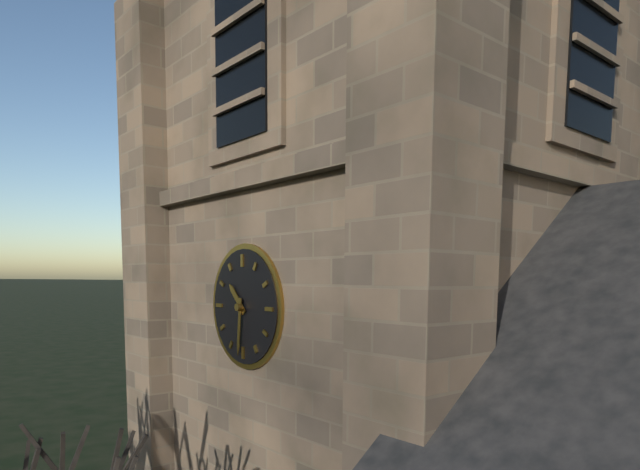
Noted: 10h31
